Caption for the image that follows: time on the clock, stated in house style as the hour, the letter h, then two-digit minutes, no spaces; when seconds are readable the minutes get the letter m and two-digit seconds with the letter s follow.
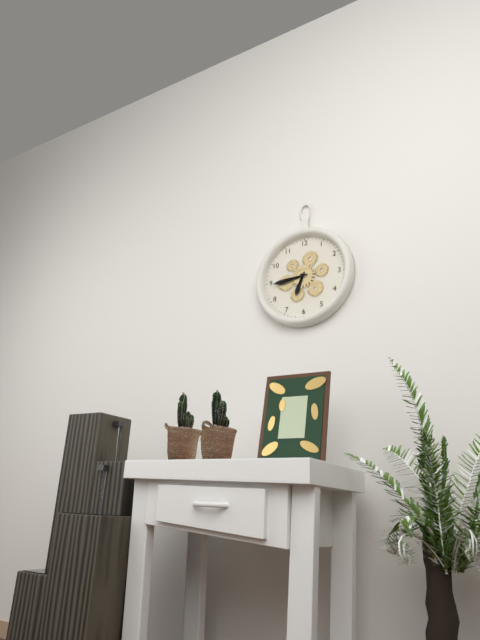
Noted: 6h44
